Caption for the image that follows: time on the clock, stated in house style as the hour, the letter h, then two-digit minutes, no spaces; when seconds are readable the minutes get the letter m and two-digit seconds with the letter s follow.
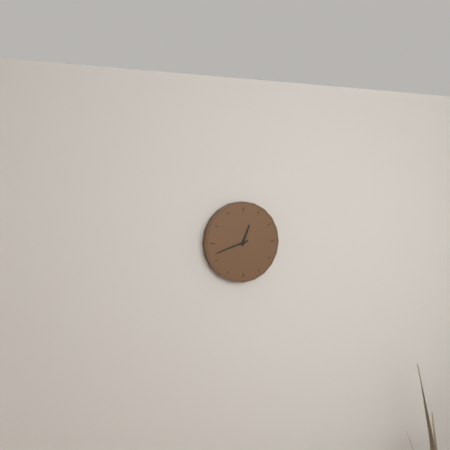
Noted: 12h42
